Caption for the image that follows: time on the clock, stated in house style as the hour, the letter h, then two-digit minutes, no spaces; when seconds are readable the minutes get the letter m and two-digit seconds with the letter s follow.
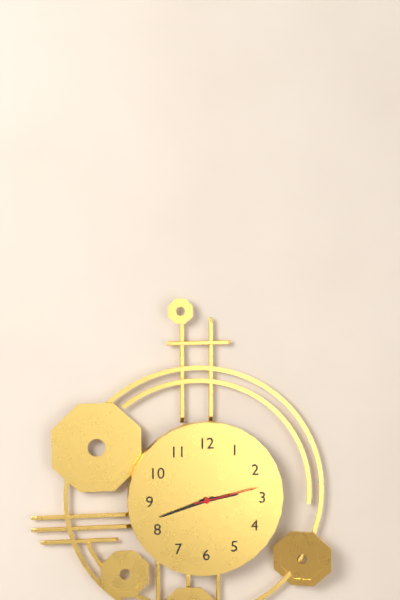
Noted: 2h42m13s
